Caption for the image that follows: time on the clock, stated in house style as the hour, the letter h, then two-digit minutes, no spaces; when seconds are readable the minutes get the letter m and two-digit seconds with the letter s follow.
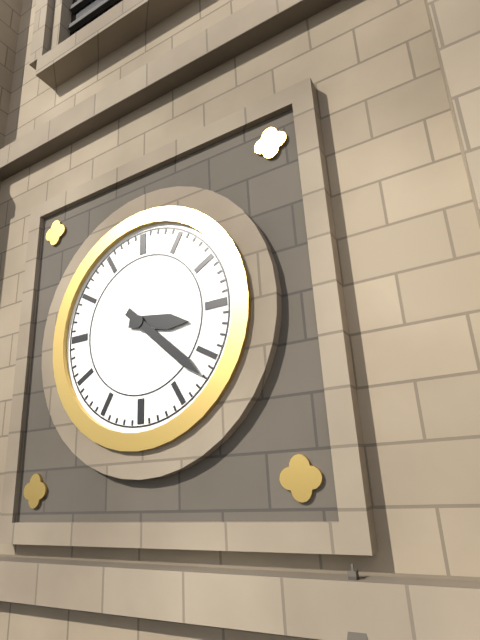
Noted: 3h22
